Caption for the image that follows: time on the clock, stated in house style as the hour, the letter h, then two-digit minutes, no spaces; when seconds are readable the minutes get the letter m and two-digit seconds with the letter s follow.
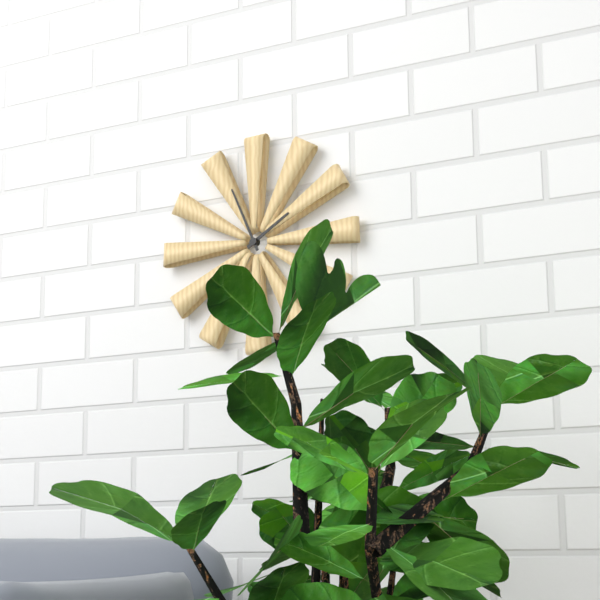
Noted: 1h56
